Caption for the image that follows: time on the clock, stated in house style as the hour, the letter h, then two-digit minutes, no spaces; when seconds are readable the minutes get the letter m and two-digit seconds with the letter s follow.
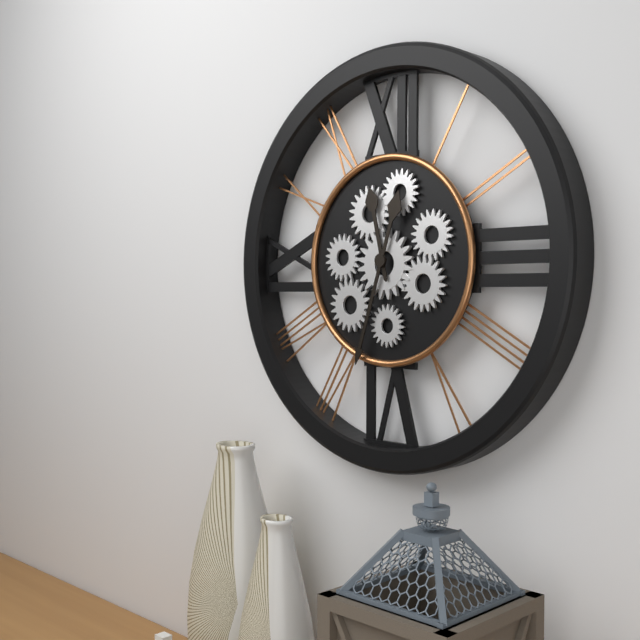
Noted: 11h33
